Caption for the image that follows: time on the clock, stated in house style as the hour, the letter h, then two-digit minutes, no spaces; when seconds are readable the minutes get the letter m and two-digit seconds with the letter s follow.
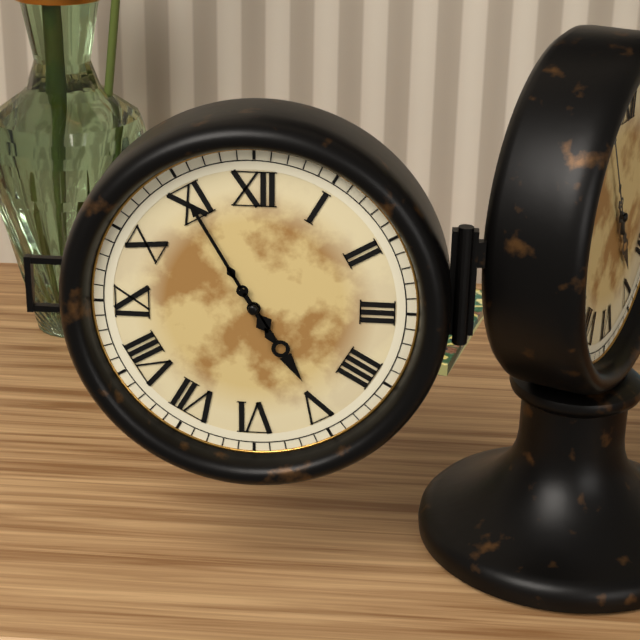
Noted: 4h55
